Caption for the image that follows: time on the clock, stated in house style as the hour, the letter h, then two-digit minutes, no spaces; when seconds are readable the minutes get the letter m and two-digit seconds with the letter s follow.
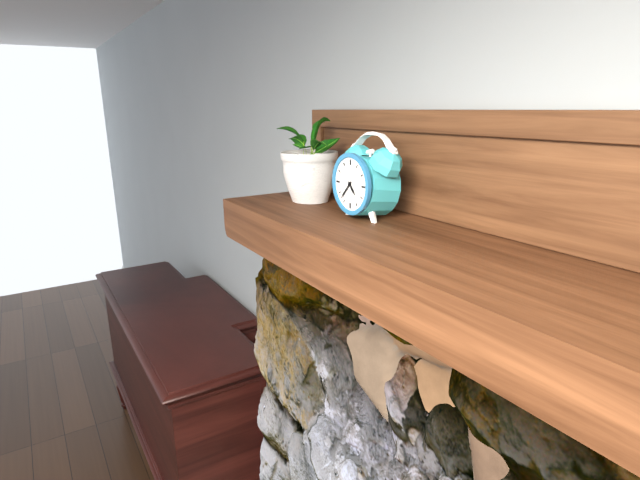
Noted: 4h37
